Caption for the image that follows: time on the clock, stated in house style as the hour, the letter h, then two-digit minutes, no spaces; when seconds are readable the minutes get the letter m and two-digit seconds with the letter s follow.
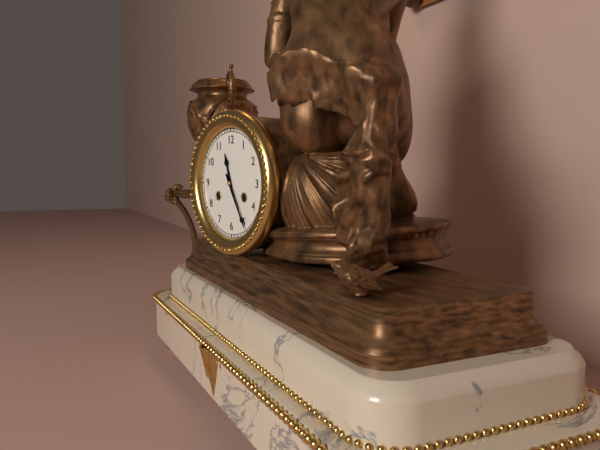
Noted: 11h25
